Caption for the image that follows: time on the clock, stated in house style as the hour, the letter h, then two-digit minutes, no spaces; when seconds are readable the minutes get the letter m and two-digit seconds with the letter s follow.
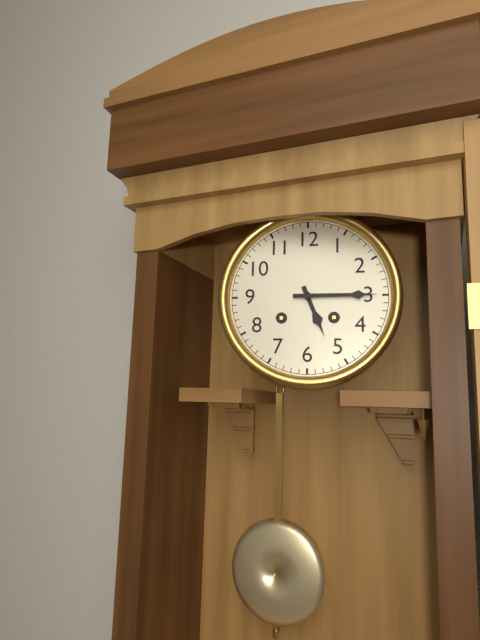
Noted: 5h15
